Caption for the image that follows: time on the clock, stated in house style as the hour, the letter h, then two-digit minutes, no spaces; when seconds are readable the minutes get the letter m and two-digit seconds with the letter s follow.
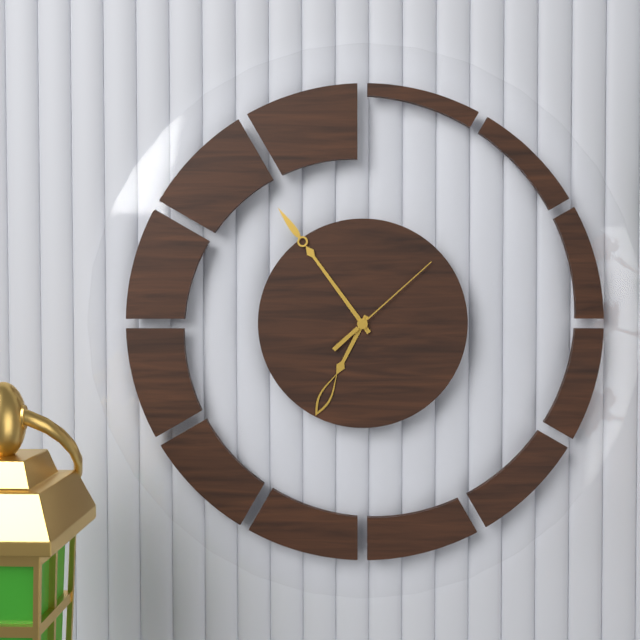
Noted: 6h54m08s
